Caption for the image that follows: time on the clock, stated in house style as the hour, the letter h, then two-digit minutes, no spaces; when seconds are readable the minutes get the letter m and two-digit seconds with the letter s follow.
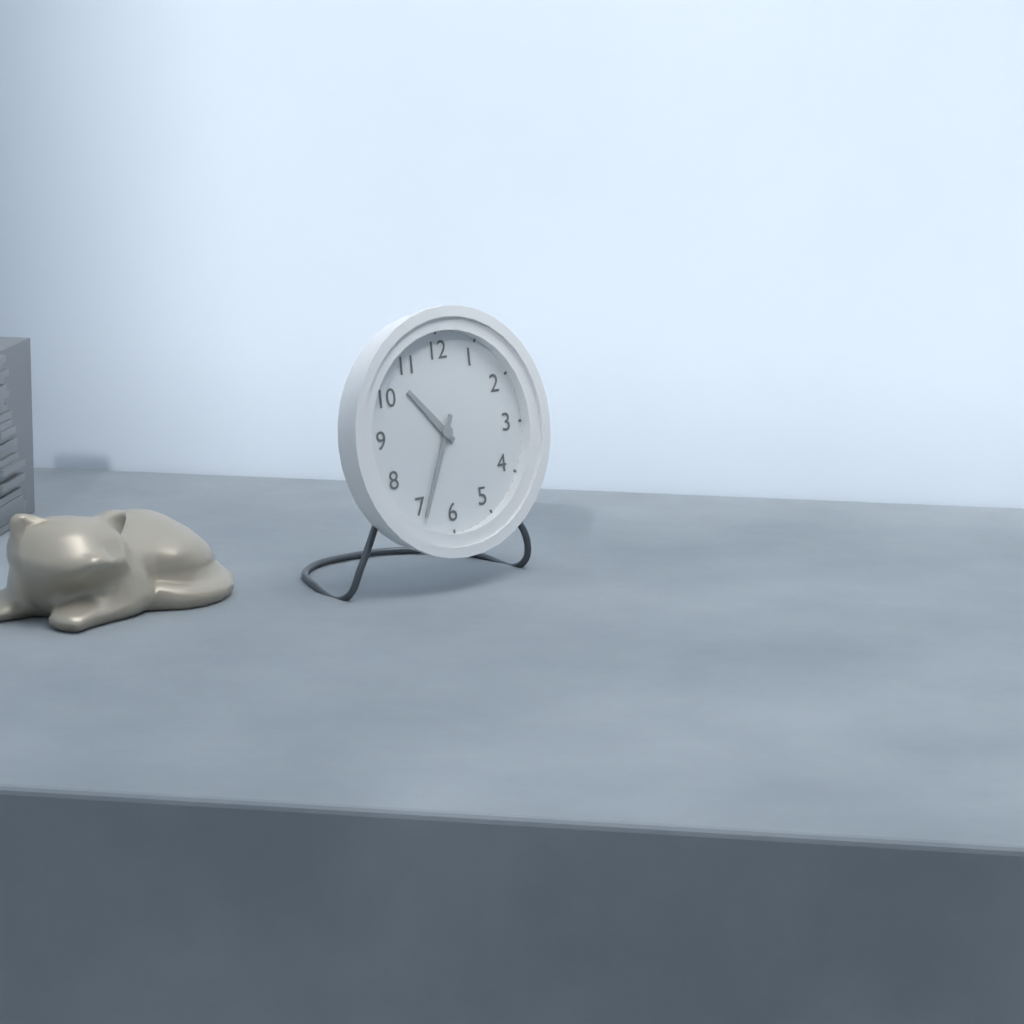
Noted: 10h34
